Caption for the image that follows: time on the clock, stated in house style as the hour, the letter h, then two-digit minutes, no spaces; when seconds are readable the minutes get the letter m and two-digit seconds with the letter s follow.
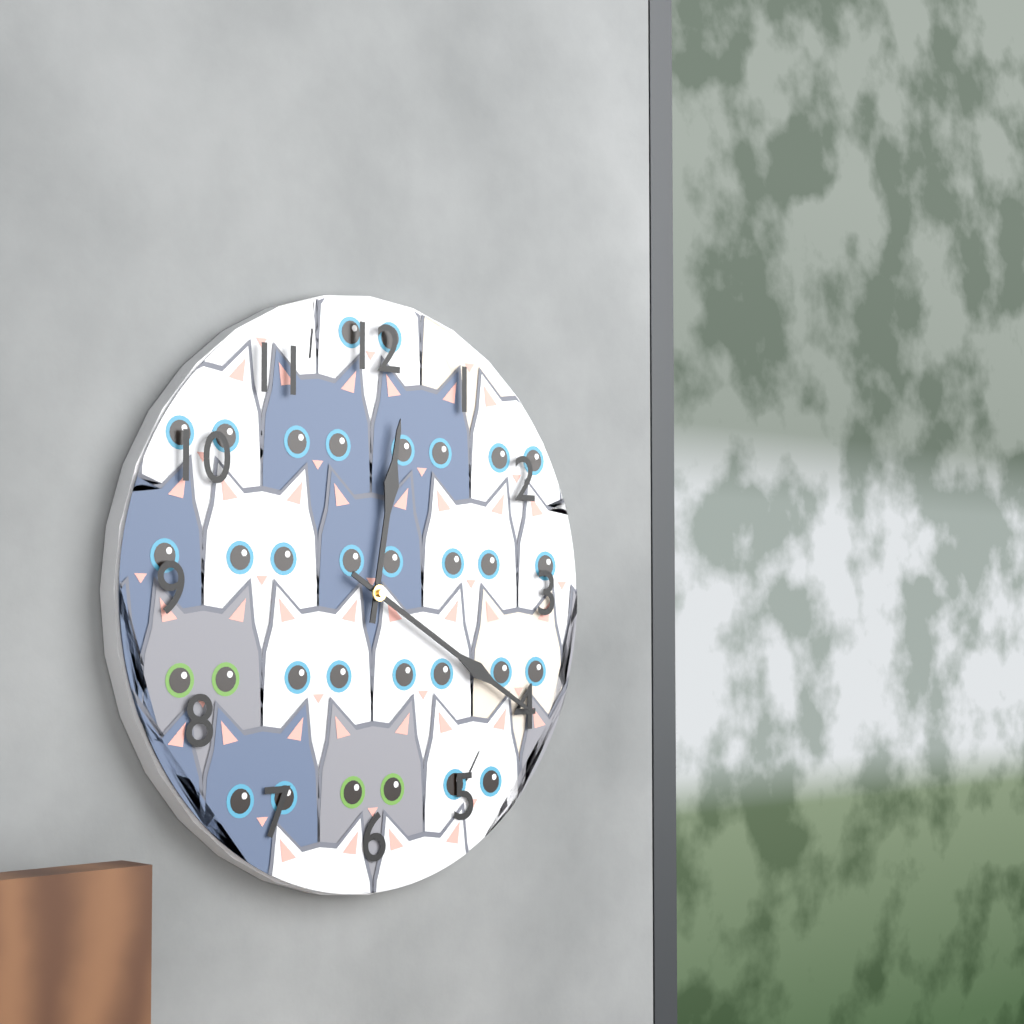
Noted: 12h20
